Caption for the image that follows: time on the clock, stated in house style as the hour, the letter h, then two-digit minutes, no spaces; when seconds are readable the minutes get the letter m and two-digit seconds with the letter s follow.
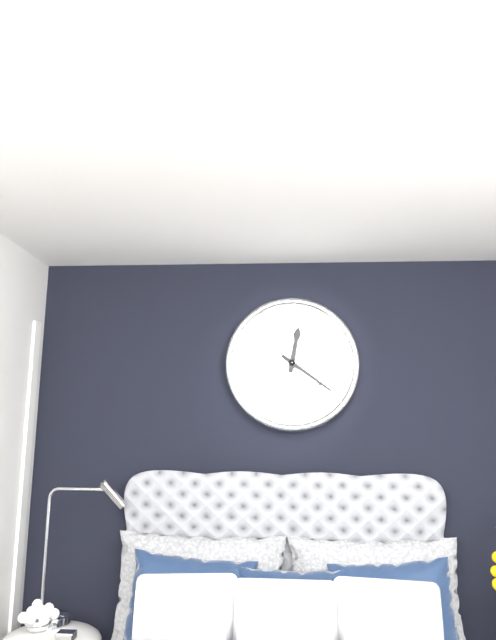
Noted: 12h21
